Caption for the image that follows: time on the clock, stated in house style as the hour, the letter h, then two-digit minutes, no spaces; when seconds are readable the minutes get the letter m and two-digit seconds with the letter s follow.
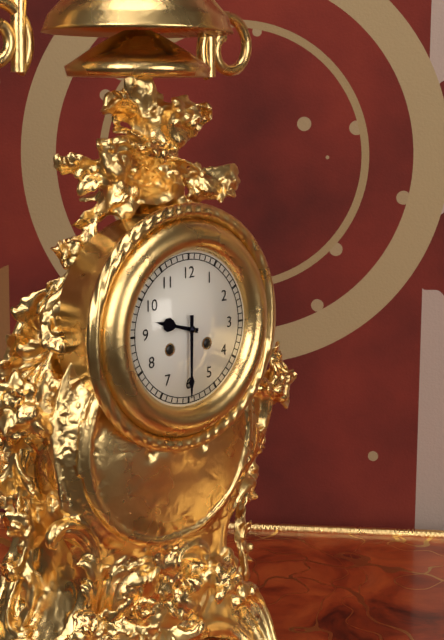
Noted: 9h30
